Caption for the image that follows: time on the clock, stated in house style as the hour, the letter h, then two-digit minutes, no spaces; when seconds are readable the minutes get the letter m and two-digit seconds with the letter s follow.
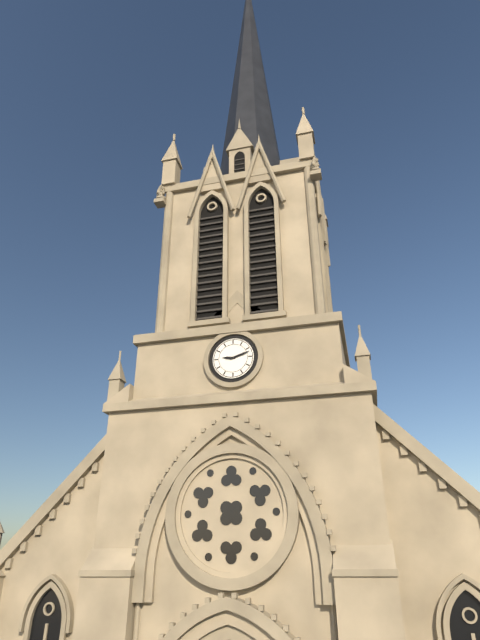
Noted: 9h12
